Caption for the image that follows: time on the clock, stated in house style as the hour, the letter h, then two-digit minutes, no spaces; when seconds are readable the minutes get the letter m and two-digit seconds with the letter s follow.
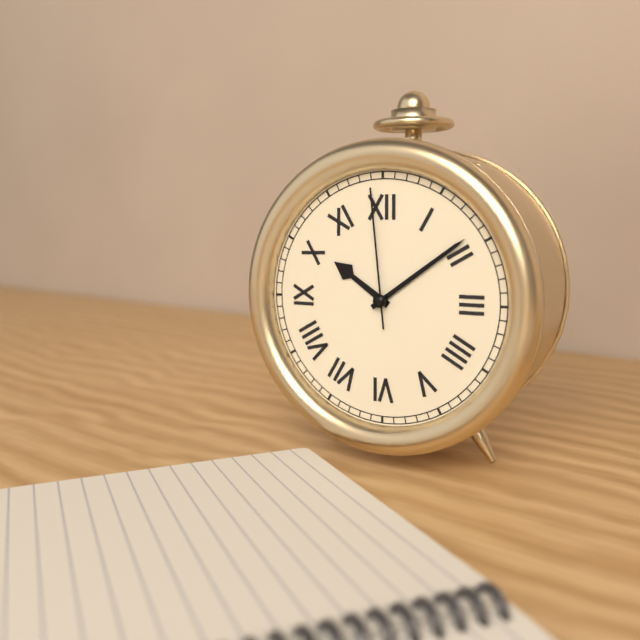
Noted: 10h09m59s
